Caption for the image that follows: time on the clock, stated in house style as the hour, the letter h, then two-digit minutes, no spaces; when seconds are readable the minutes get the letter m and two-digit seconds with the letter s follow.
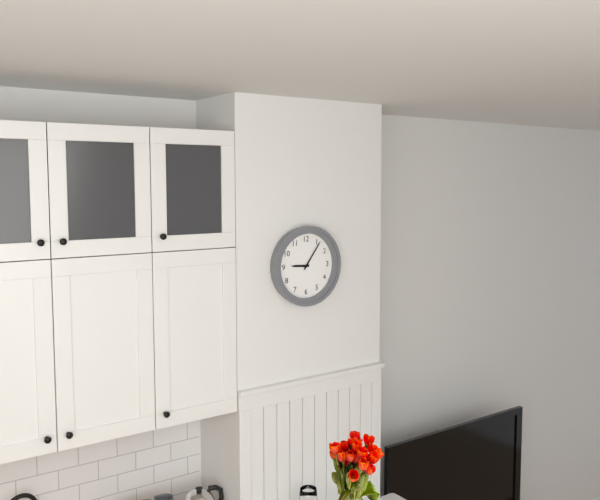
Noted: 9h06
